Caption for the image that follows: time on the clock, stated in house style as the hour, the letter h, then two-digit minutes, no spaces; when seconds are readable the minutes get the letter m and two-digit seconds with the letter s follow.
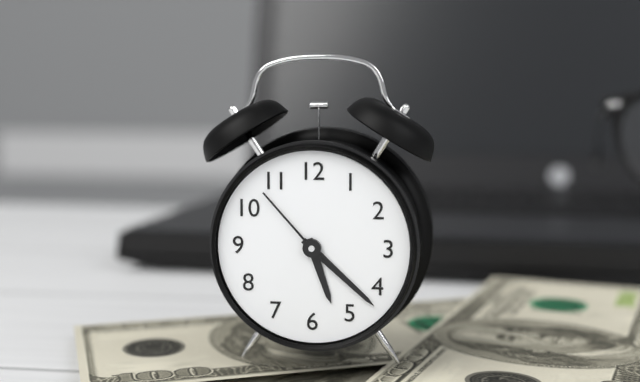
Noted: 5h22m53s
